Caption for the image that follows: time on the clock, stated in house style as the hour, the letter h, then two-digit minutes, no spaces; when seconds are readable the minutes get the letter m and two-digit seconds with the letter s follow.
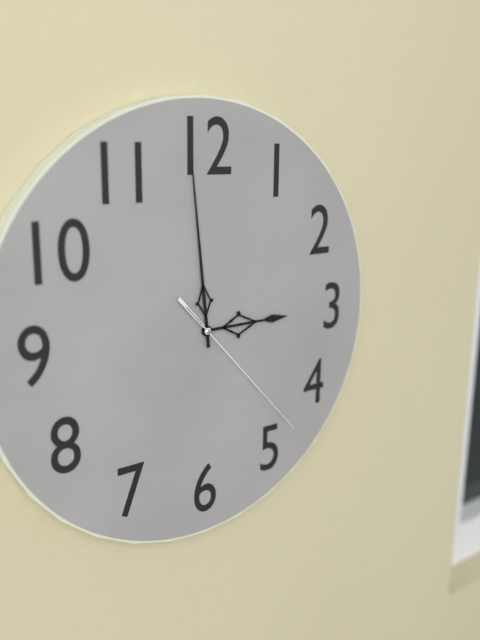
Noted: 2h59m23s
